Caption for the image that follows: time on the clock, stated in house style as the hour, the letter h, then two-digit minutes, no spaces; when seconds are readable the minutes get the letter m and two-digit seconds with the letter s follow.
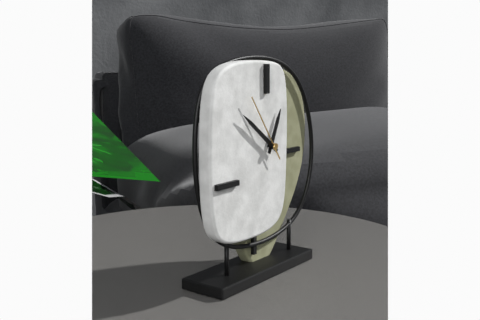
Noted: 12h51m54s
